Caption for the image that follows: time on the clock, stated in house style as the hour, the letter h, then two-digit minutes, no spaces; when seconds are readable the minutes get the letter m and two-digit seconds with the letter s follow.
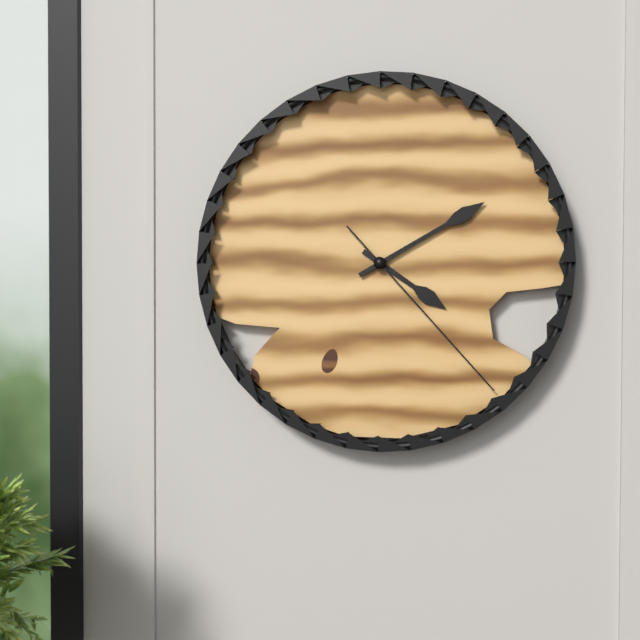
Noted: 4h10m23s
